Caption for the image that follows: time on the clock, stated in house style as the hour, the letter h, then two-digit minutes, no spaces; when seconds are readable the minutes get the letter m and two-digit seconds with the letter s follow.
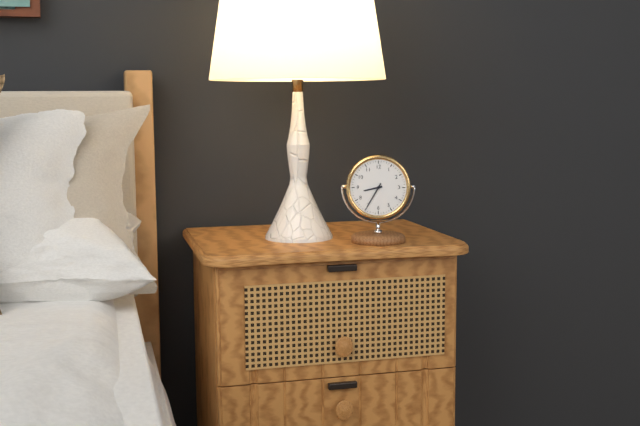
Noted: 8h35
